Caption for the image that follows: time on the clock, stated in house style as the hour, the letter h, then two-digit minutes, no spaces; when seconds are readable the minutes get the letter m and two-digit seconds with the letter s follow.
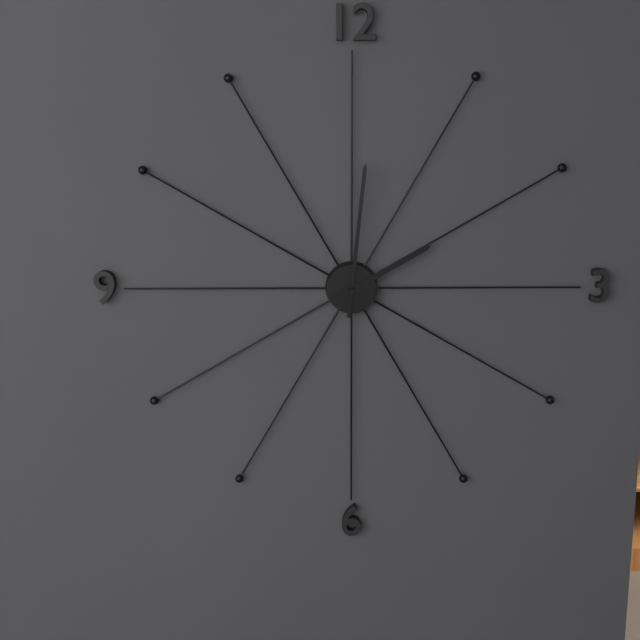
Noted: 2h01
